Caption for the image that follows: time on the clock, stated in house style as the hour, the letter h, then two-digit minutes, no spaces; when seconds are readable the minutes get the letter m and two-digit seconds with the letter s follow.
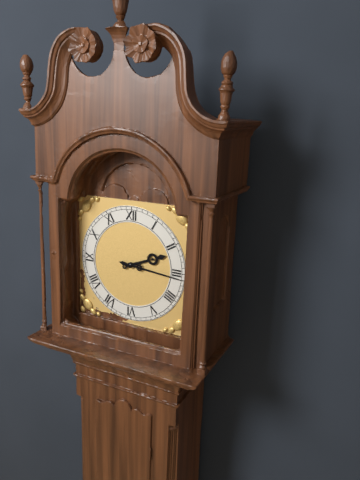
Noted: 2h16
